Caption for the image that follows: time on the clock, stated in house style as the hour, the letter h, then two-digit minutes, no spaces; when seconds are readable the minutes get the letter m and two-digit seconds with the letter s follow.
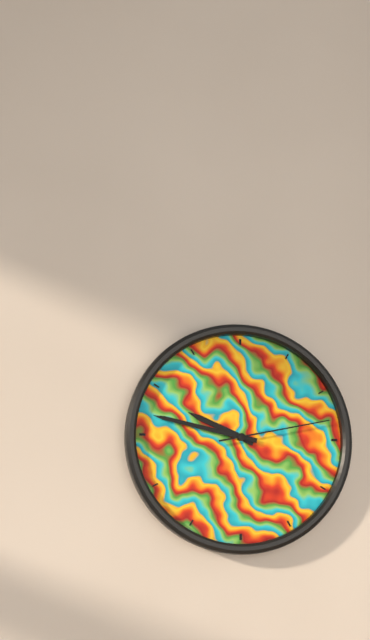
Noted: 9h47m13s
